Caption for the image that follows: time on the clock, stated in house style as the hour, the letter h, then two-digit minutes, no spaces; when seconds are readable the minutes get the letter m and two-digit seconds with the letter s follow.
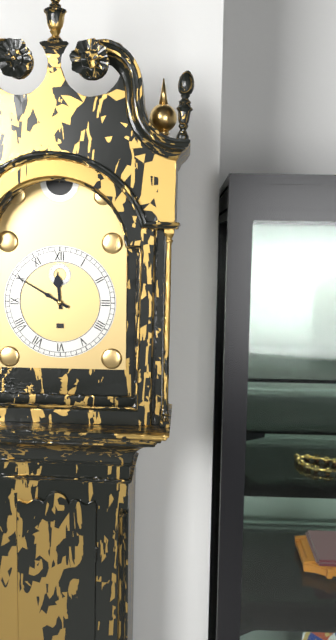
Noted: 11h50
